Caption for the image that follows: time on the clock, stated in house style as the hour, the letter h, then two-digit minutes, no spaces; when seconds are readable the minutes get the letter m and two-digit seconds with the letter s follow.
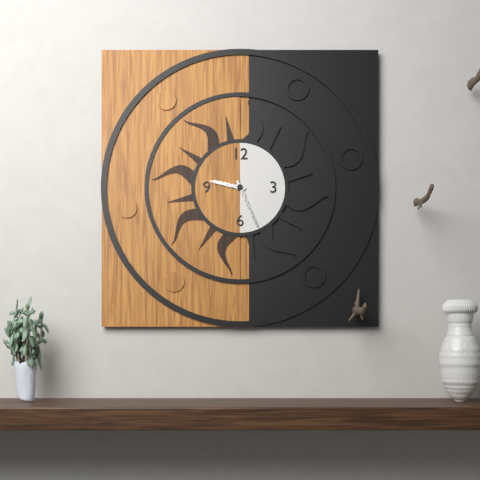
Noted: 9h26
